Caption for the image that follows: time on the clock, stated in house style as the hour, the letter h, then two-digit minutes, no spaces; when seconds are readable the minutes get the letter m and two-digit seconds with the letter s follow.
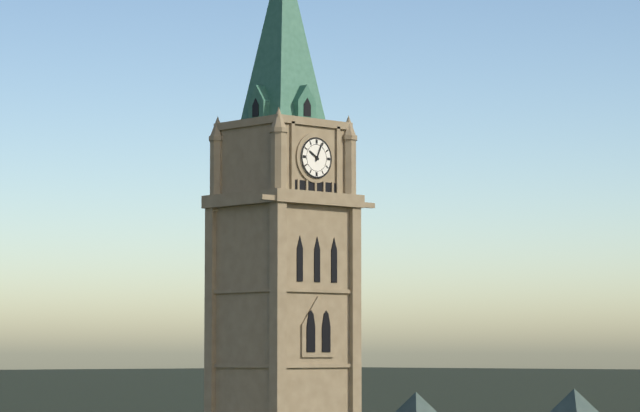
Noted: 10h04
